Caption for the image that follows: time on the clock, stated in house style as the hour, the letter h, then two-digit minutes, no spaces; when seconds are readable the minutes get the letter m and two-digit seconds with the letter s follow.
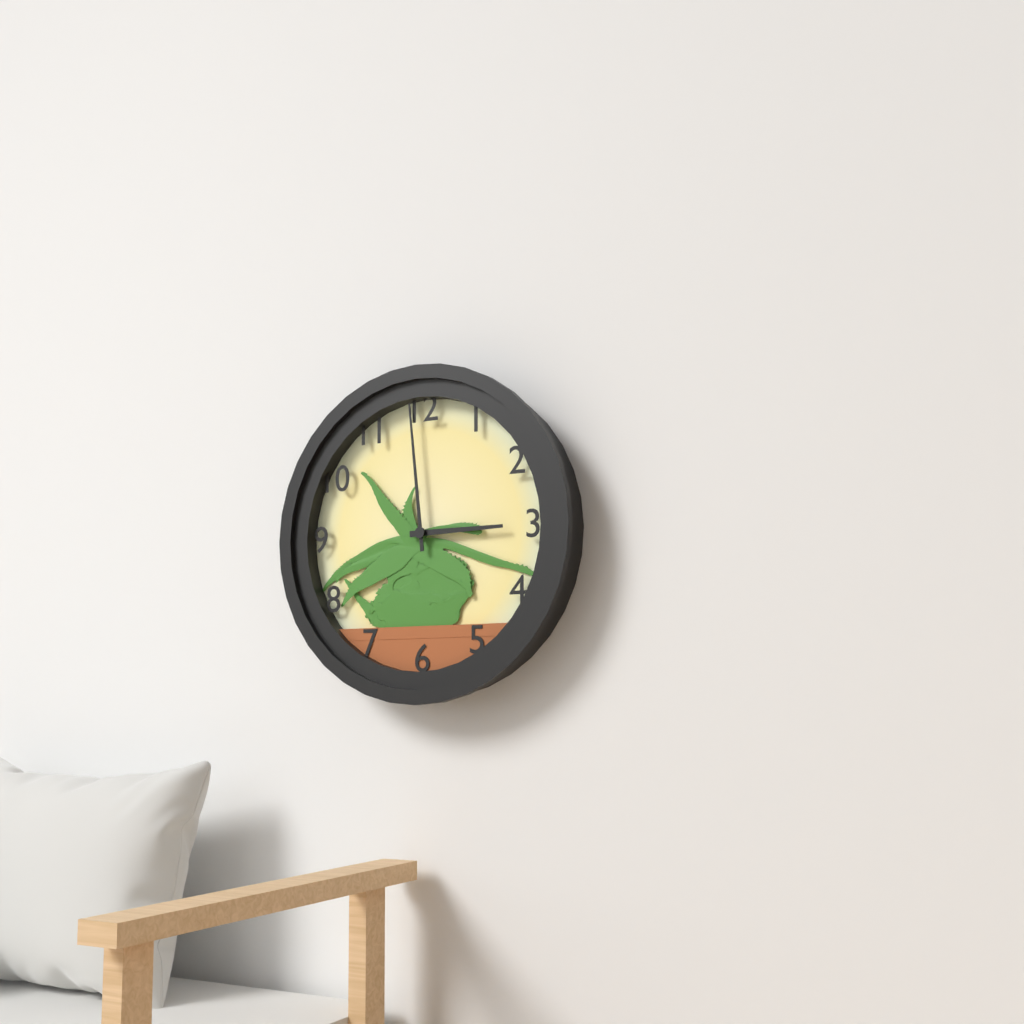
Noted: 2h59
